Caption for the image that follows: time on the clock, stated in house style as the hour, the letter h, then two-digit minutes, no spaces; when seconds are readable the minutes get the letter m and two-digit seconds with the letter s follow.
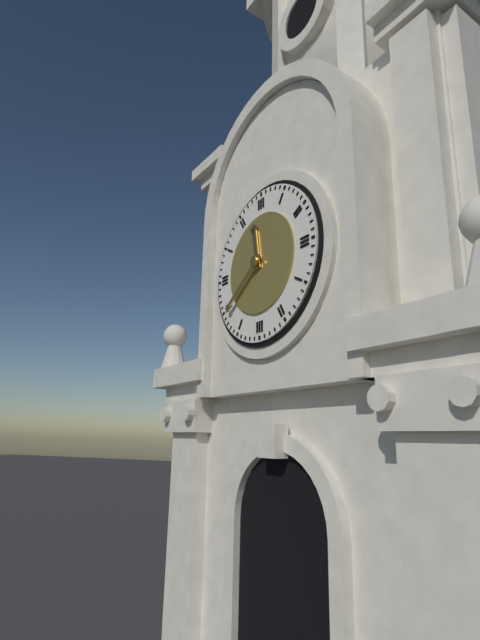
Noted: 11h39
